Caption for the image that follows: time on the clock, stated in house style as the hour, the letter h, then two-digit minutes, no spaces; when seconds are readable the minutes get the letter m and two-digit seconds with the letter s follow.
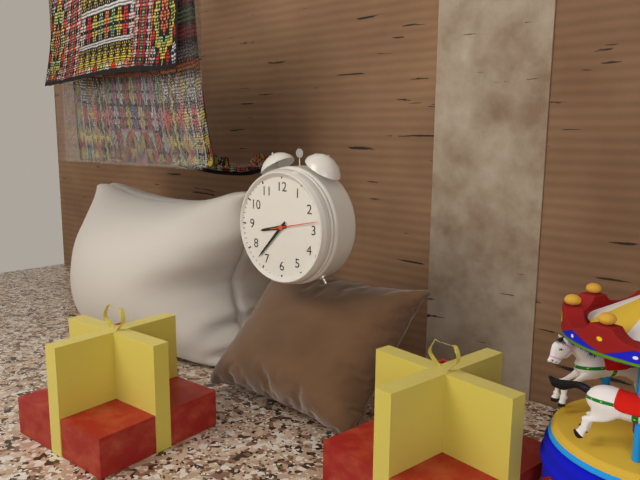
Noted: 8h37
